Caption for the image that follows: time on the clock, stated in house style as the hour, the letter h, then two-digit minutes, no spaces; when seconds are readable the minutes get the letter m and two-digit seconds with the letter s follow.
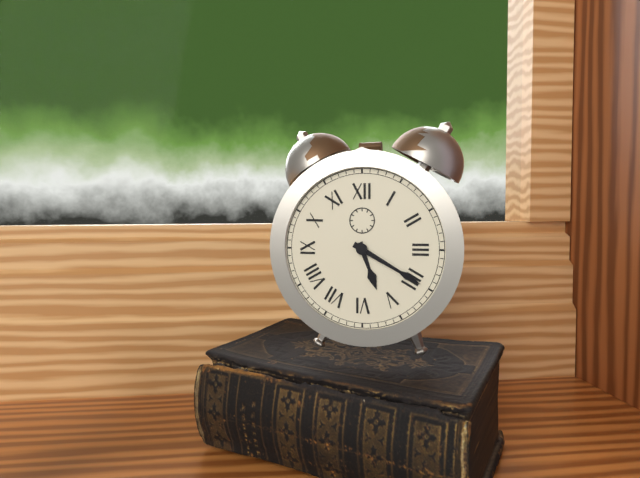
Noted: 5h20
